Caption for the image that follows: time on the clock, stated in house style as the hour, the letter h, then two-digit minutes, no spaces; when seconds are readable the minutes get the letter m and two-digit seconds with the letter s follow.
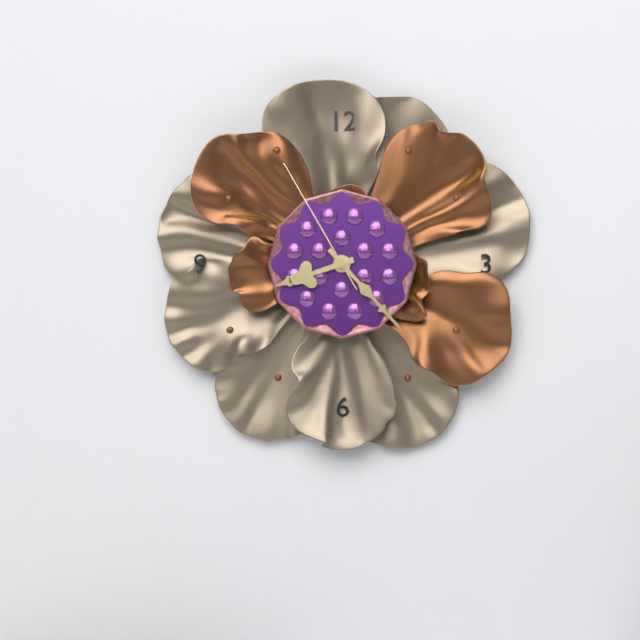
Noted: 8h23m55s
